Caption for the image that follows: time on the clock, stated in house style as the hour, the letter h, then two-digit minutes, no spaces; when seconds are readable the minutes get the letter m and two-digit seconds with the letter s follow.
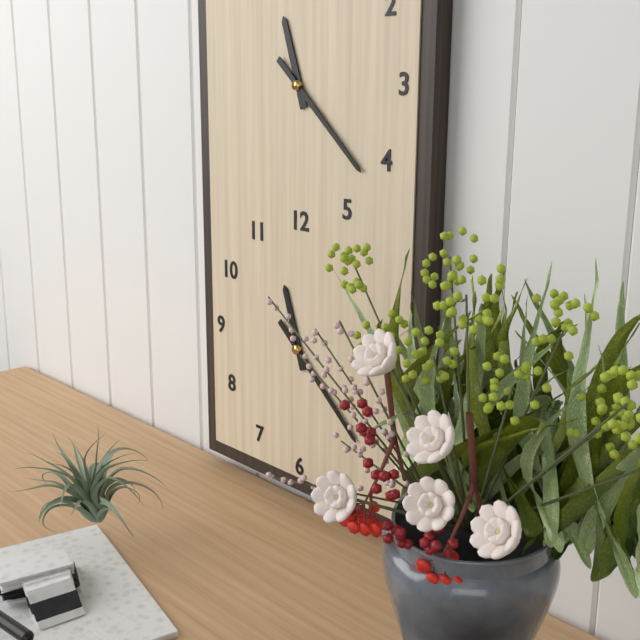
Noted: 11h22
